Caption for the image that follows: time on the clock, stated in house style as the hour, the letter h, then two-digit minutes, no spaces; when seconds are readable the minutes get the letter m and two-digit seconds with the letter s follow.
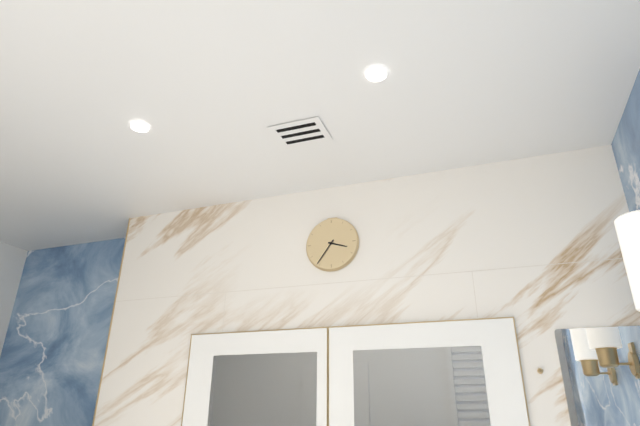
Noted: 3h36
